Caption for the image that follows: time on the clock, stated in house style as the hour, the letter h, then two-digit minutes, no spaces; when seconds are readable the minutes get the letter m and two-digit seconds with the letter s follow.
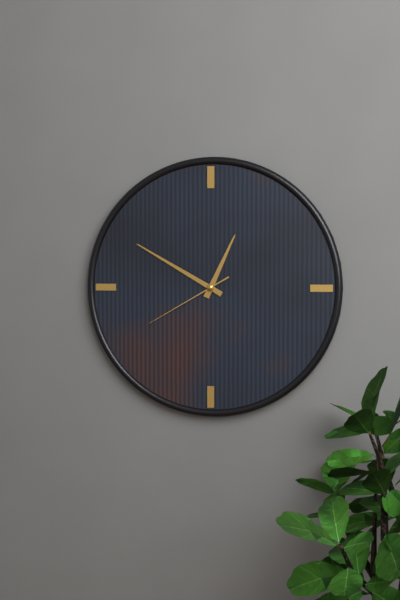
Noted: 12h50m40s
